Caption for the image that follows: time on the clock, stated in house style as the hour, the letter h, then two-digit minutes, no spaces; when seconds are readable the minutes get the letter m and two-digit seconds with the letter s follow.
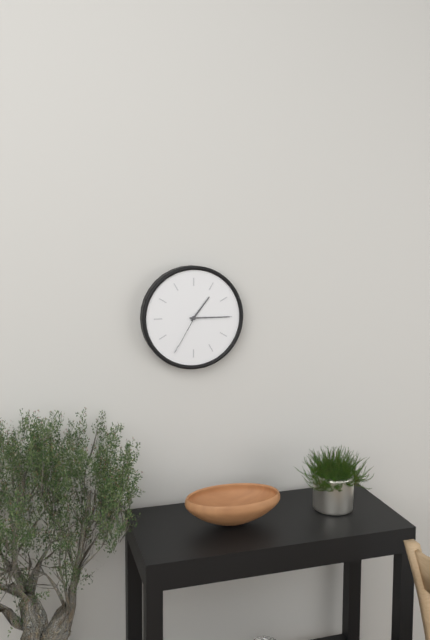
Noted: 1h15
